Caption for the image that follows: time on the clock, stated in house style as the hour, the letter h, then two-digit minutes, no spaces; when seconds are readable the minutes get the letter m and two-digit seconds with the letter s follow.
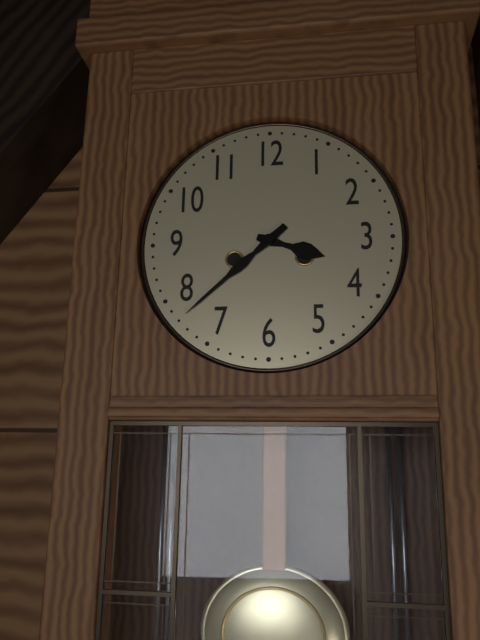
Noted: 3h38
